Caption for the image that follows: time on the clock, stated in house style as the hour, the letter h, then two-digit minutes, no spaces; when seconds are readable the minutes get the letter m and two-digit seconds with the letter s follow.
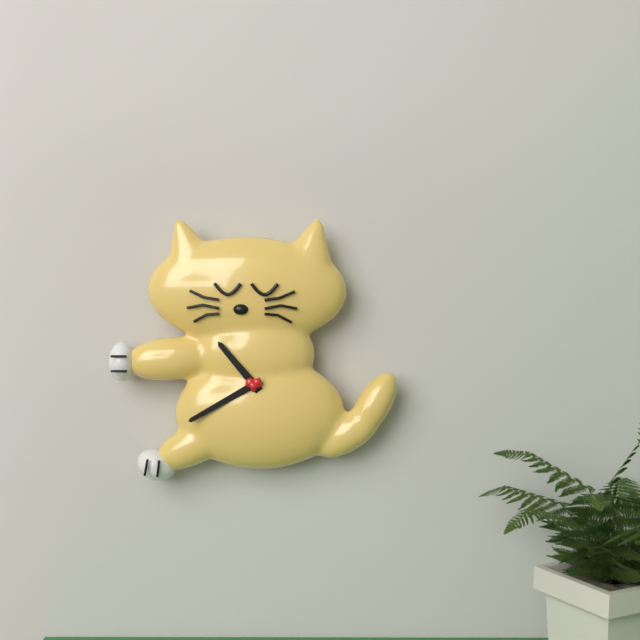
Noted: 10h40
